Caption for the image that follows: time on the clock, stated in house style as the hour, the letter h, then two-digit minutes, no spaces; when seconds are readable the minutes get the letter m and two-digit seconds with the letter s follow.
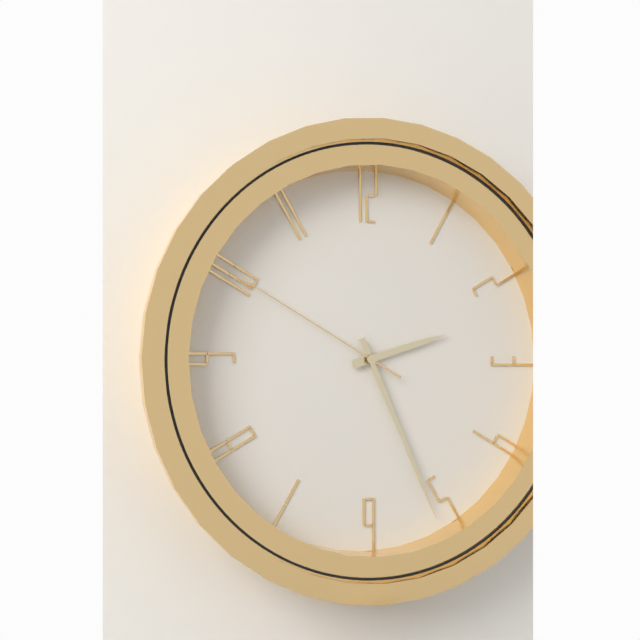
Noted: 2h26m50s
